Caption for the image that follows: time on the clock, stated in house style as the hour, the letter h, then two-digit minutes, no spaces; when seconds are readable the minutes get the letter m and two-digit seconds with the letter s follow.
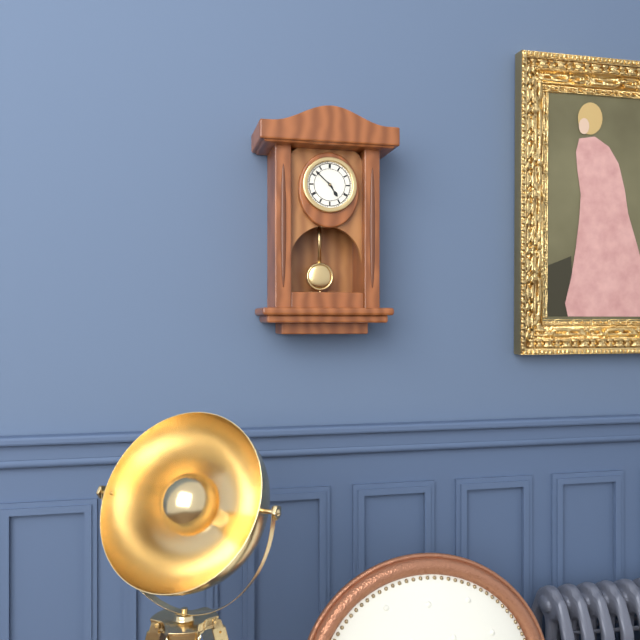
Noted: 4h52
